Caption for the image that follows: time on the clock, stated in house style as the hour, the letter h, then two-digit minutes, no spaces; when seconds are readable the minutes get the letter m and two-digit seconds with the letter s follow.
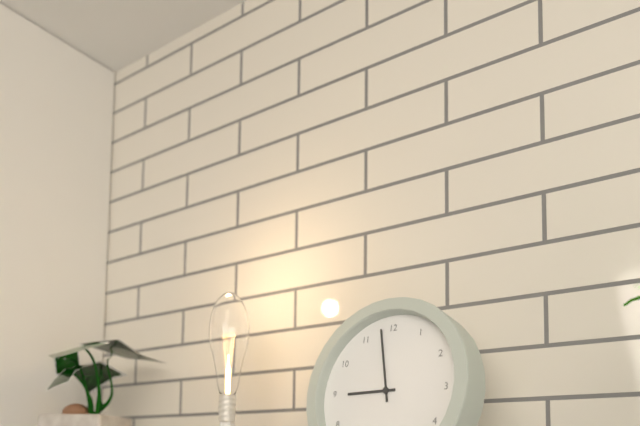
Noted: 8h58
